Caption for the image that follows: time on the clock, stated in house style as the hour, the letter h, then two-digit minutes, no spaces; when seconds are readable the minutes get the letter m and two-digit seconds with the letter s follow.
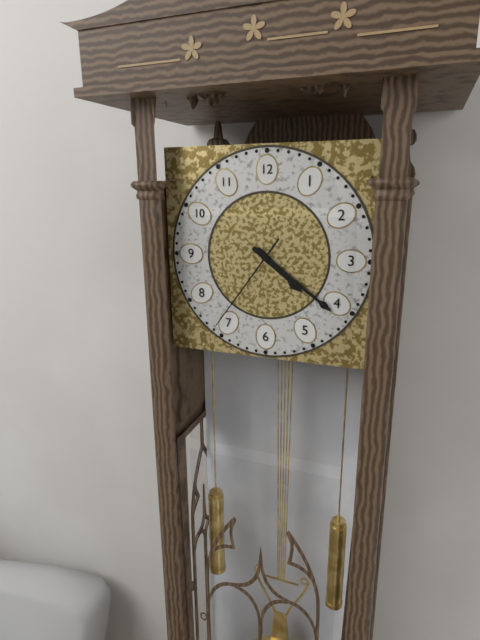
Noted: 4h21m36s
